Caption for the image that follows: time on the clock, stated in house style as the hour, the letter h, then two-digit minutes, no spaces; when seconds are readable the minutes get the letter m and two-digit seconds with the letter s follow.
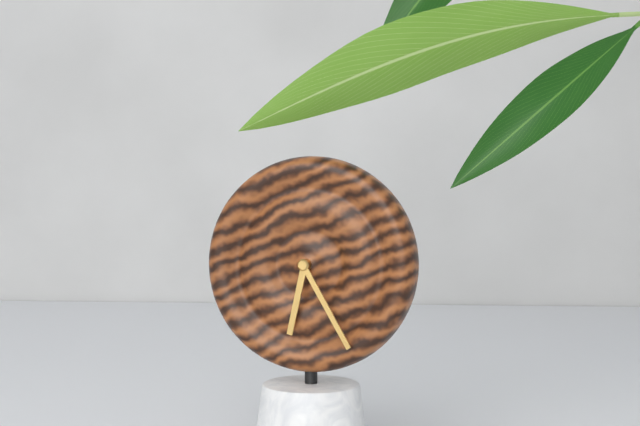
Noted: 6h25
